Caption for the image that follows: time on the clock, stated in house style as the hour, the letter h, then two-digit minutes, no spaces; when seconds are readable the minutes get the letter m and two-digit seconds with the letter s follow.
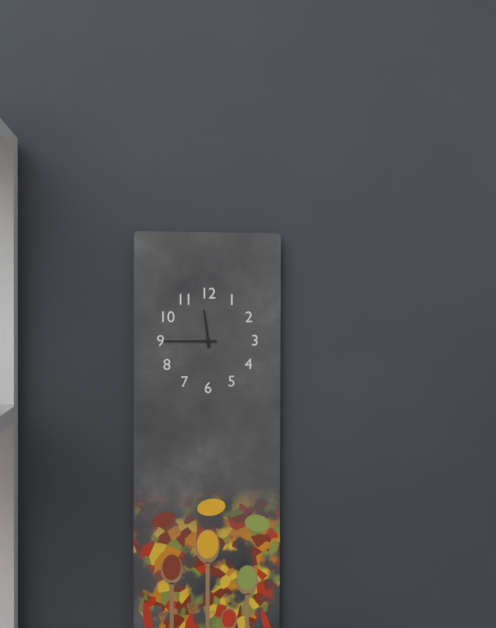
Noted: 11h45
